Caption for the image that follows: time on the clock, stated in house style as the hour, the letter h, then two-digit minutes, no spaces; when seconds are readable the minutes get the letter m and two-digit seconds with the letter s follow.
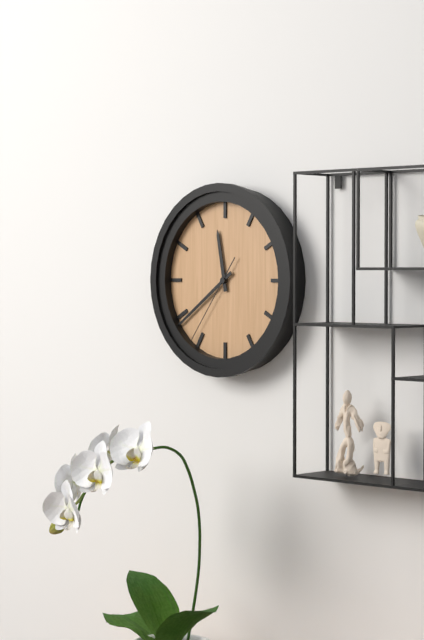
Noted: 11h39m36s
